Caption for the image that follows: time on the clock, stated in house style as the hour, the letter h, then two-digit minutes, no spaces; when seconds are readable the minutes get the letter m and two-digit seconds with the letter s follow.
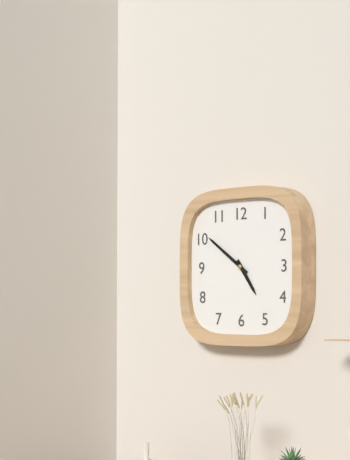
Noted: 4h51
